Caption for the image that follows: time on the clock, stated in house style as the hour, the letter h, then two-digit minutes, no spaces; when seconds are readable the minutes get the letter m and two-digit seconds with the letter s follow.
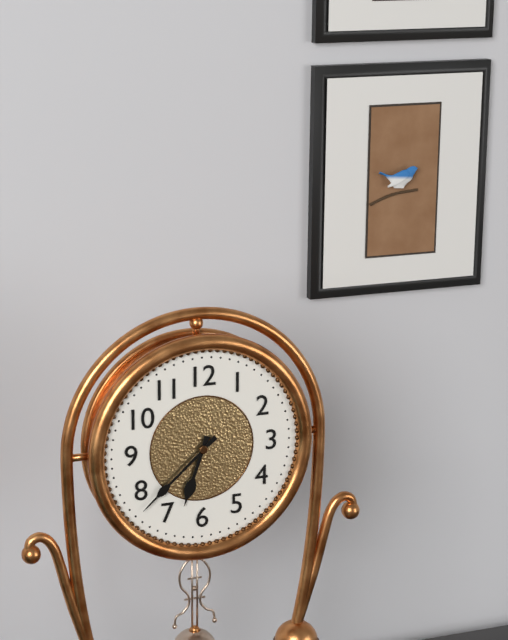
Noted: 6h38
